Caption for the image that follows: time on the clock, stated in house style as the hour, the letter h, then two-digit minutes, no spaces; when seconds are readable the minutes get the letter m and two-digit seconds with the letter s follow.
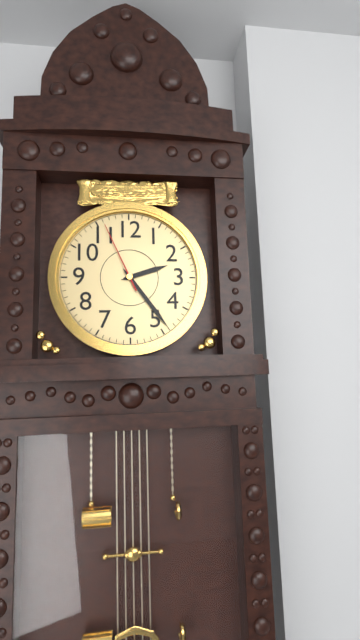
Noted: 2h24m56s
